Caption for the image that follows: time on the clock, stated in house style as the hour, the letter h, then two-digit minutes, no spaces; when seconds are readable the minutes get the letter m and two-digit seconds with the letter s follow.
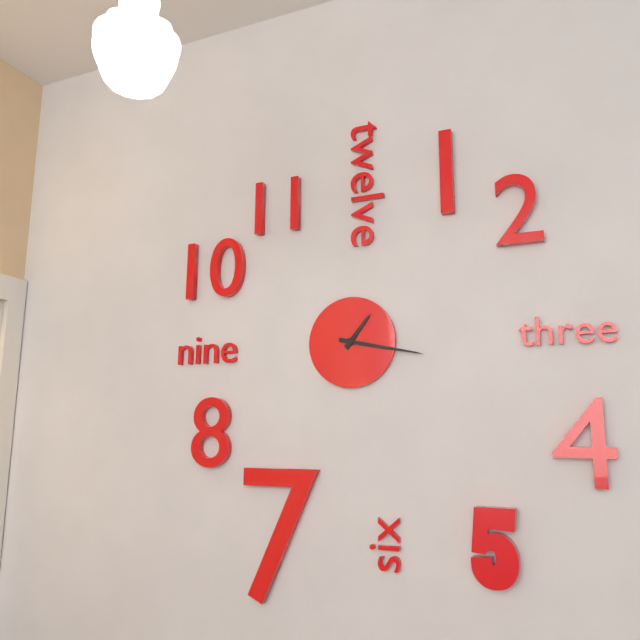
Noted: 1h17
